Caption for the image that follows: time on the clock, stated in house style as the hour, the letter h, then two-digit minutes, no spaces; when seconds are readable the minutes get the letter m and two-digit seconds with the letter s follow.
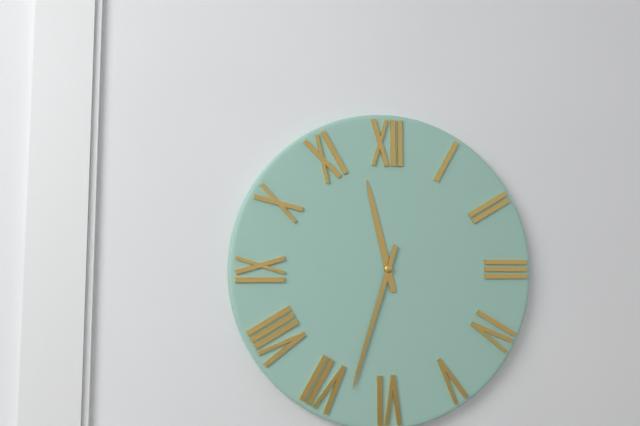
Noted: 11h33
